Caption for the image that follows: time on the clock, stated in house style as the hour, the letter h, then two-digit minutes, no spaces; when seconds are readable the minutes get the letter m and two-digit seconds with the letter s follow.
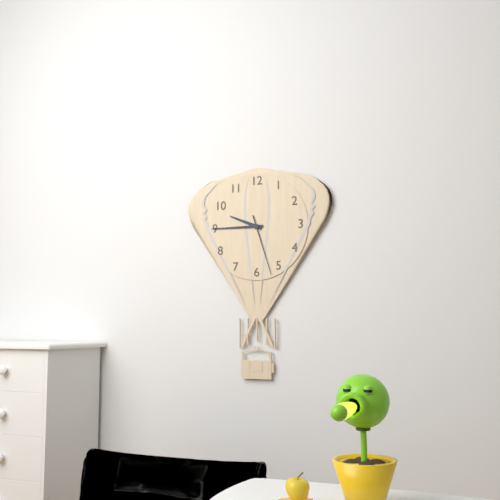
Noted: 9h45m27s
